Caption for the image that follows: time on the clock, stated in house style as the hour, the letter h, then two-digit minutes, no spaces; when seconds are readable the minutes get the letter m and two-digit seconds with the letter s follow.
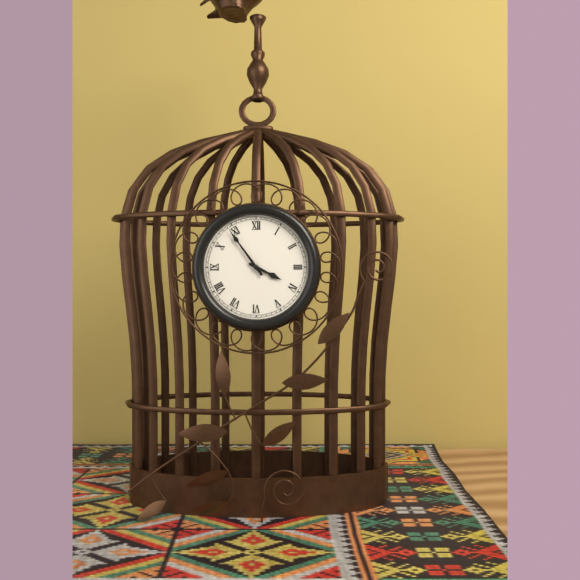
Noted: 3h54
